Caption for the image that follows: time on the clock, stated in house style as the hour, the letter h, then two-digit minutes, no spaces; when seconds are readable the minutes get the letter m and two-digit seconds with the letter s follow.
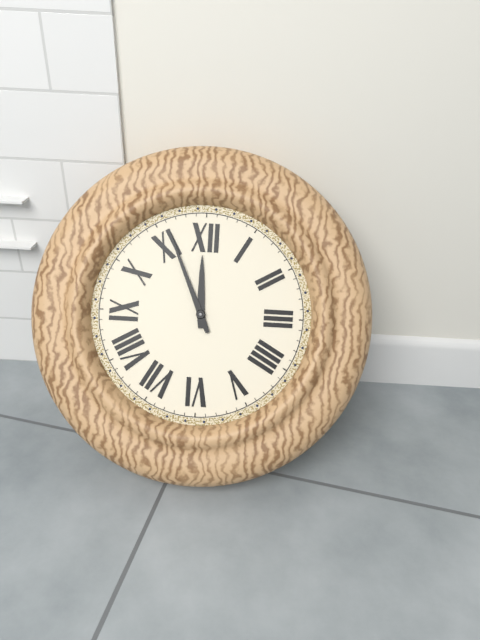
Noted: 11h56
